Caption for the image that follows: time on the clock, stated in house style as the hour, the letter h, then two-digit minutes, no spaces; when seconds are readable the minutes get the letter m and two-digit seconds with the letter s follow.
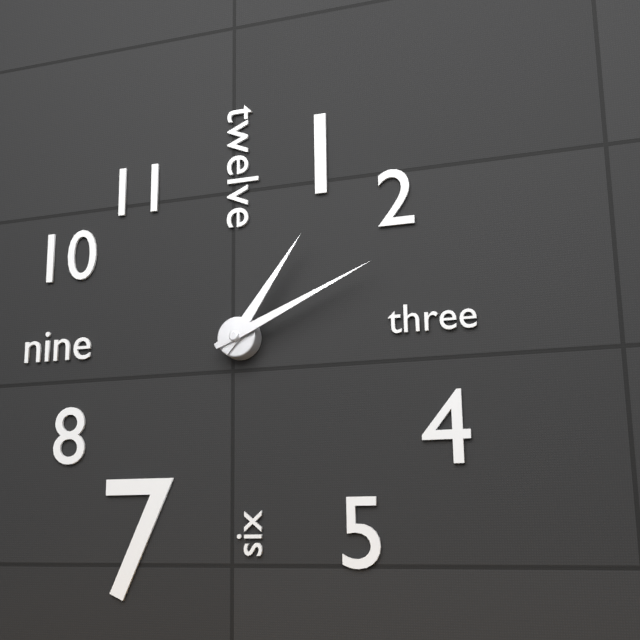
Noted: 1h11
